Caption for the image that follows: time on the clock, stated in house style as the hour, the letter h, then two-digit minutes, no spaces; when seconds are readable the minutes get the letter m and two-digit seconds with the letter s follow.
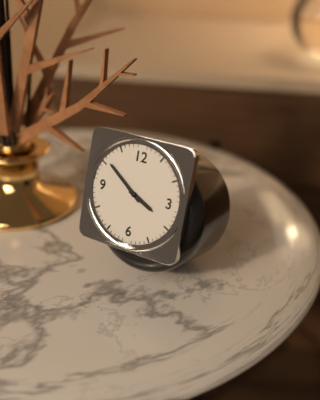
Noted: 3h51
